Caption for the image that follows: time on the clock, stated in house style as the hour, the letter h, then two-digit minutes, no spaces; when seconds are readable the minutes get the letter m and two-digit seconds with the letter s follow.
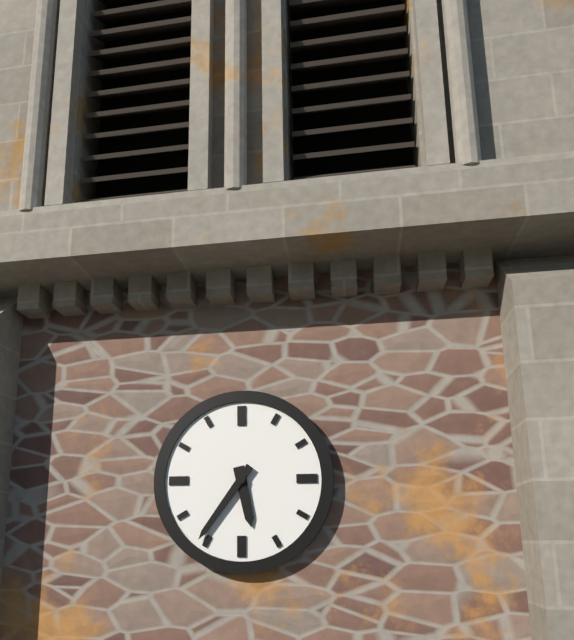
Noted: 5h36
